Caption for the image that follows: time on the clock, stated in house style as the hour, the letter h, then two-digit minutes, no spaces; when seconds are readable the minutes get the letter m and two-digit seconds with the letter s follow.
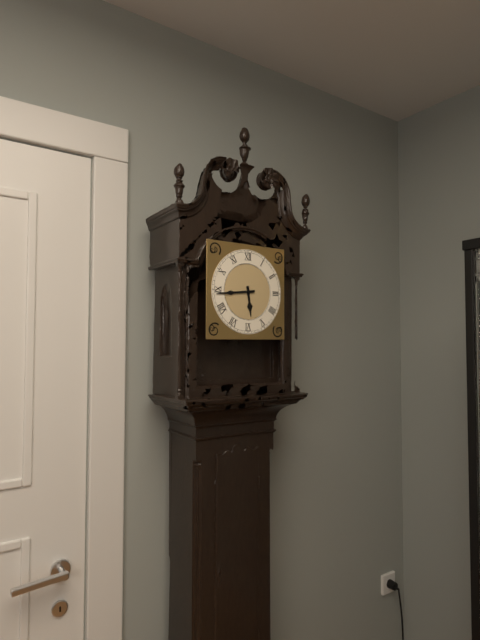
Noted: 5h44
